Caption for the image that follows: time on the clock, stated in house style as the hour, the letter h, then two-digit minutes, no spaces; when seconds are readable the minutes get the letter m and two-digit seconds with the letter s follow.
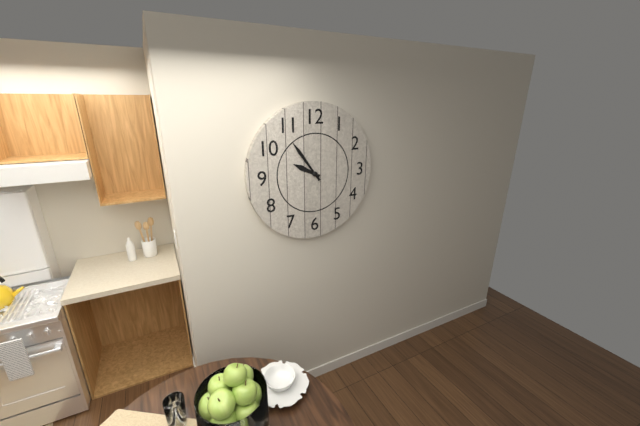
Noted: 9h54
